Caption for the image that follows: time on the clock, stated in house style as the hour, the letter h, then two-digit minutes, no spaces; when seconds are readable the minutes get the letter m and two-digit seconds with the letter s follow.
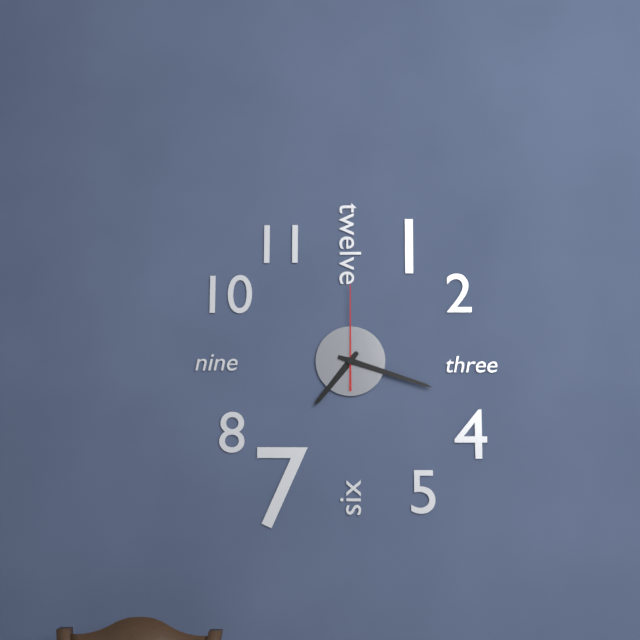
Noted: 7h18m00s
